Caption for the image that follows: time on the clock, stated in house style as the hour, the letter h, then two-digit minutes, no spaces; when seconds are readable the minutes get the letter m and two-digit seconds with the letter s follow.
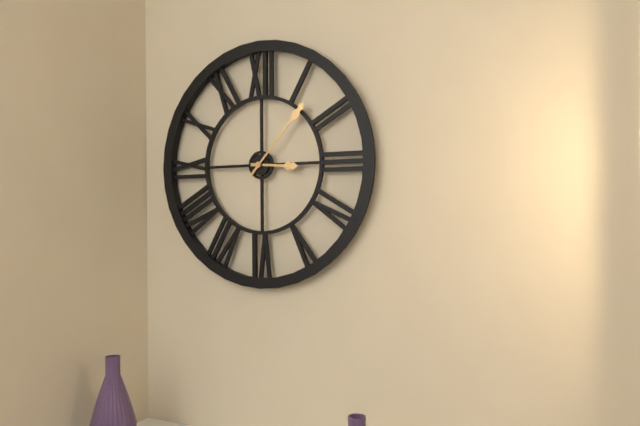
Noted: 3h07
